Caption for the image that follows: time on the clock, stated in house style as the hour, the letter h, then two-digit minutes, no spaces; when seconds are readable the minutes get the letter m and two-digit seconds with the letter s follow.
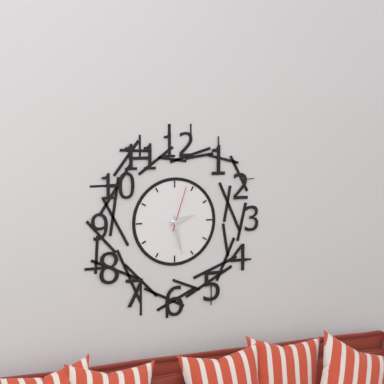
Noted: 2h28
